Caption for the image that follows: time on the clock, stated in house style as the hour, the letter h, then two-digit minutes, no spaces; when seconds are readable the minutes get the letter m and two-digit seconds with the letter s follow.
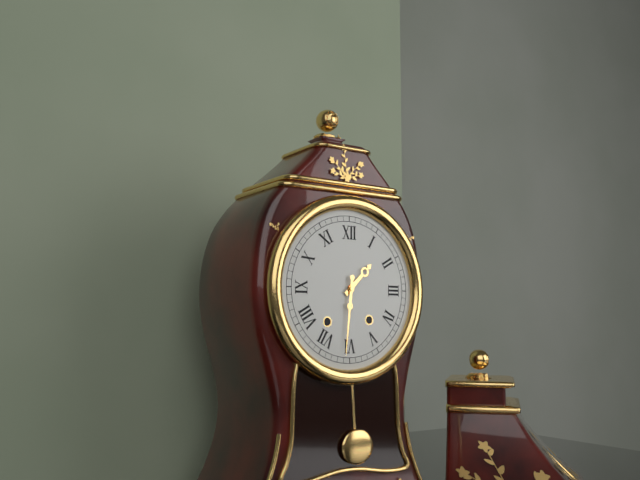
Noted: 1h31
